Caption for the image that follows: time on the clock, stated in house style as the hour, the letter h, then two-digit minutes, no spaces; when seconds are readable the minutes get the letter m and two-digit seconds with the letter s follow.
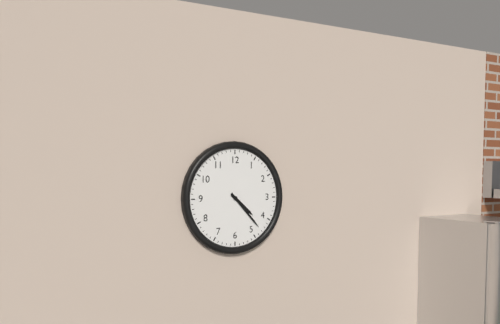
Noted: 4h23
